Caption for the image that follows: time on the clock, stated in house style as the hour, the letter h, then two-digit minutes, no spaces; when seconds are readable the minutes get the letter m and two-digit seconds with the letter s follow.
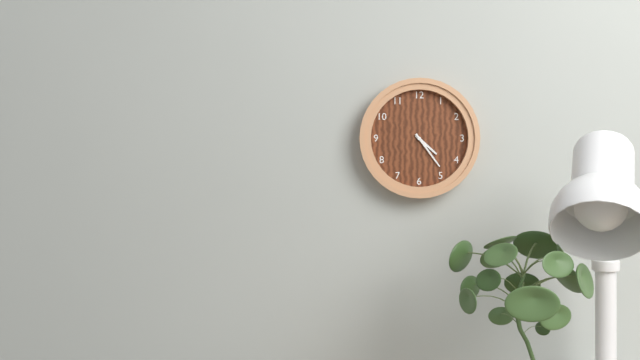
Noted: 4h24
